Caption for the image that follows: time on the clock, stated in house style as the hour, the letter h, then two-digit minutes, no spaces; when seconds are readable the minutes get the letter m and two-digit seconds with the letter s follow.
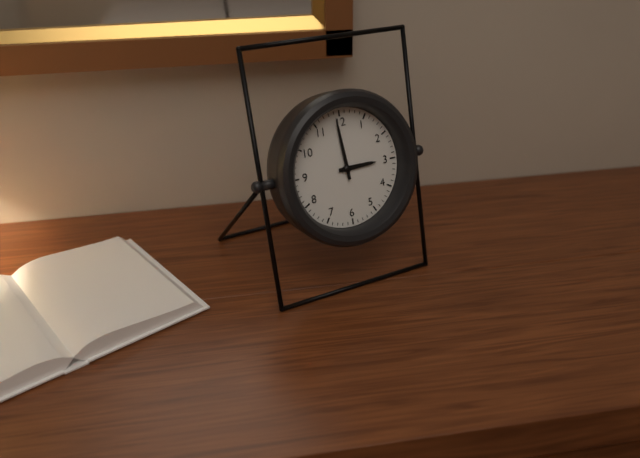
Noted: 2h59
